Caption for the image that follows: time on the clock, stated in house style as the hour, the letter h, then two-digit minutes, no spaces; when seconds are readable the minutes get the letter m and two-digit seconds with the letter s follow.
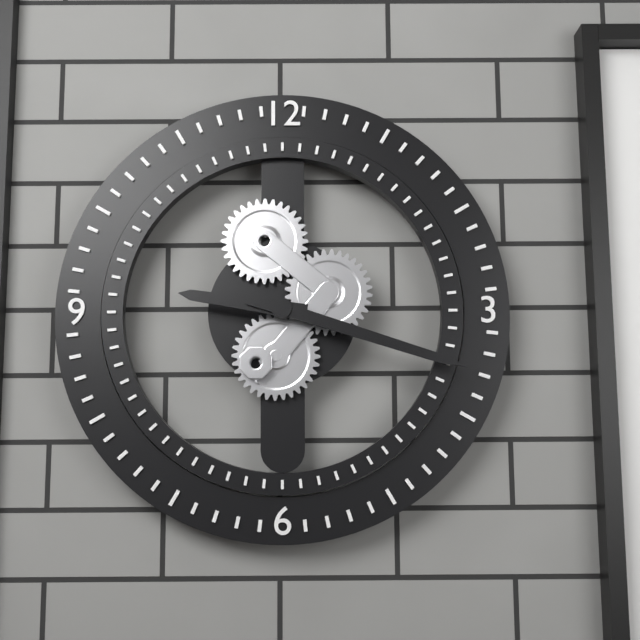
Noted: 9h18
